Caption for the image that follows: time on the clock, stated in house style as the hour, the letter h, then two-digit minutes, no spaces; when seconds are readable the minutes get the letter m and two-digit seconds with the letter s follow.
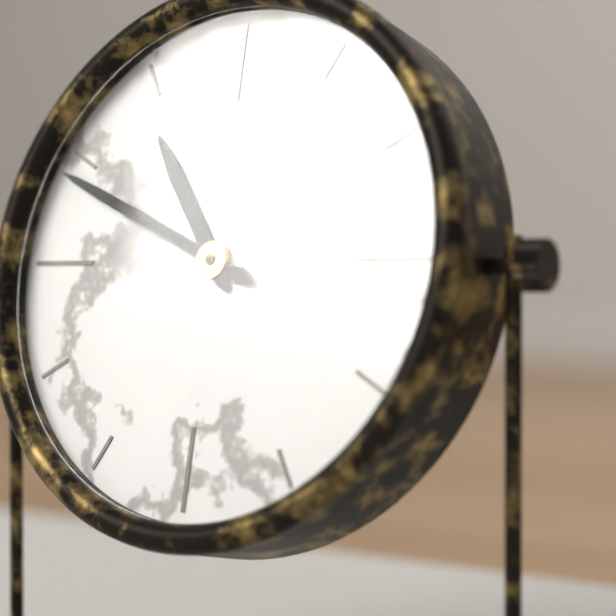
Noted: 10h49
